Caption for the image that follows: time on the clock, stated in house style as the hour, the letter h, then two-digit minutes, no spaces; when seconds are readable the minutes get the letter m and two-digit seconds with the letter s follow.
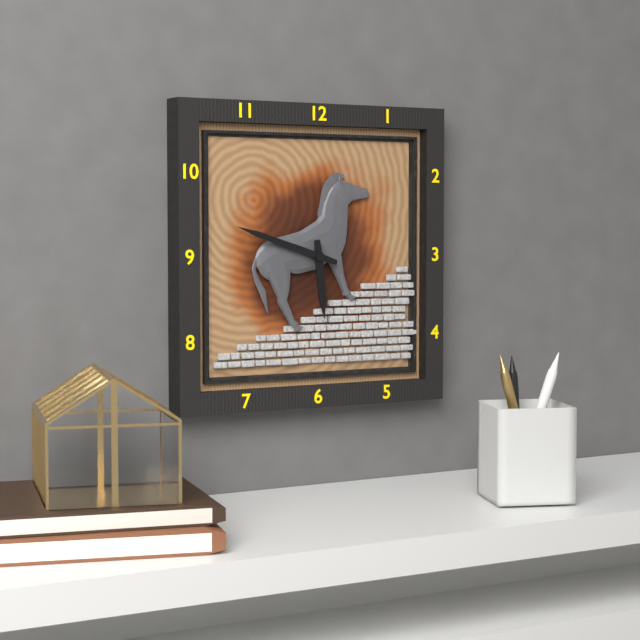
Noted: 5h48
